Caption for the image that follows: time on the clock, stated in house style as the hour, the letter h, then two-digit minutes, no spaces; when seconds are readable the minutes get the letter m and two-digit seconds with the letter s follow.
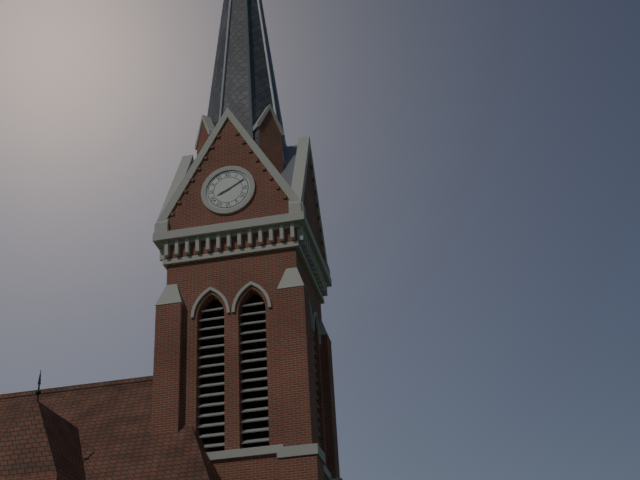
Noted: 8h10
